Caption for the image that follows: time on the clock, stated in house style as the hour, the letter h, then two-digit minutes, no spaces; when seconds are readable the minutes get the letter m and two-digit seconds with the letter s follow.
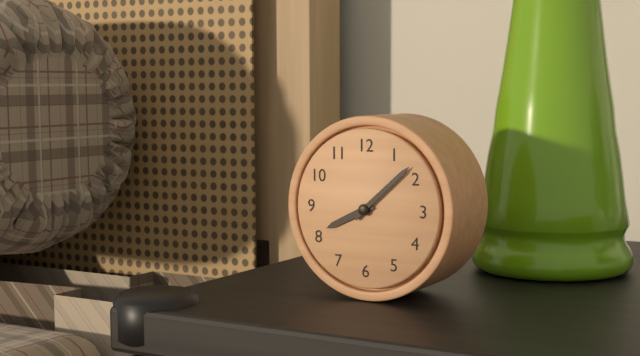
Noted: 8h08
